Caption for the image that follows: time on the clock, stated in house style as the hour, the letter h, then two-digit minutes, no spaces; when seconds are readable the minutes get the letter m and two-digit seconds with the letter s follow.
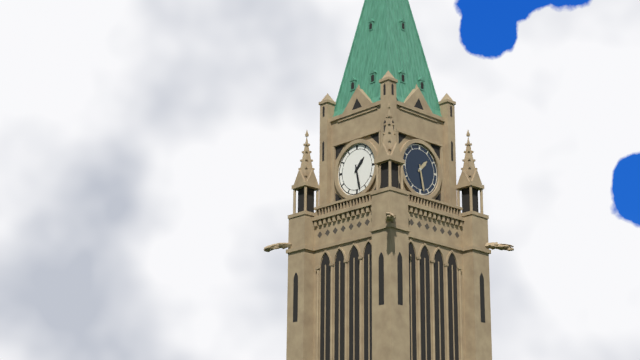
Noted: 1h28
